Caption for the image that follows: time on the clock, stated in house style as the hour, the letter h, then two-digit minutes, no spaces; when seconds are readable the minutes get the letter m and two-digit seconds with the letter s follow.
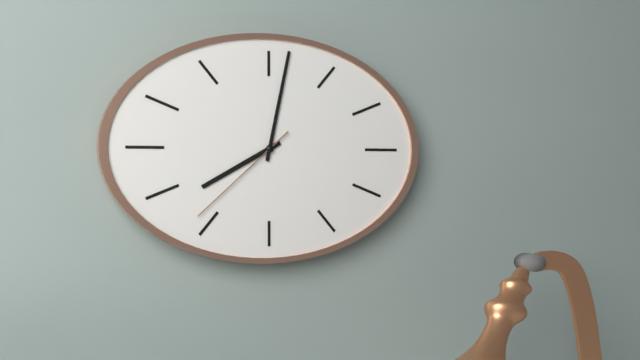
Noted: 8h02m38s
